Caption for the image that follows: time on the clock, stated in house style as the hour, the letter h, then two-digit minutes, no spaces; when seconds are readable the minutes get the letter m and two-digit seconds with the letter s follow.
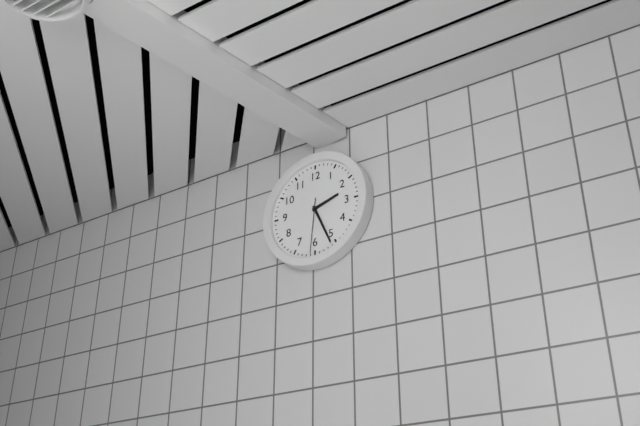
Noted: 2h26m31s
